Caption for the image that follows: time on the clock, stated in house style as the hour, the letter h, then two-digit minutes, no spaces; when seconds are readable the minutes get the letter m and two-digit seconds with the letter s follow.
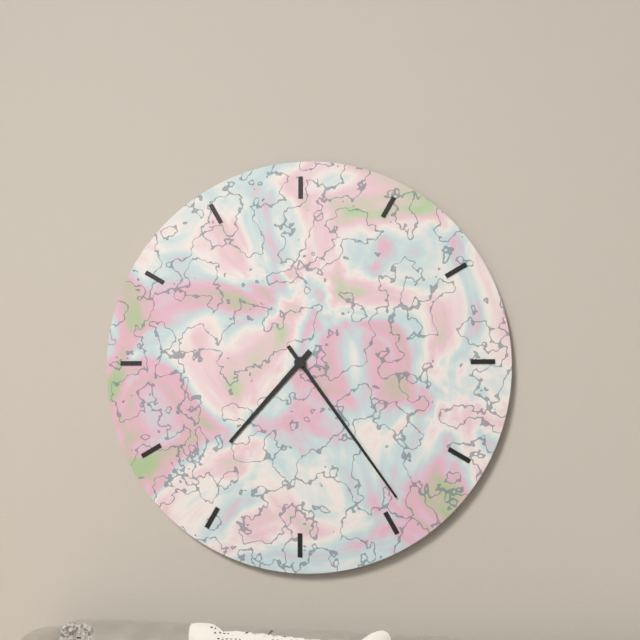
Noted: 7h24
